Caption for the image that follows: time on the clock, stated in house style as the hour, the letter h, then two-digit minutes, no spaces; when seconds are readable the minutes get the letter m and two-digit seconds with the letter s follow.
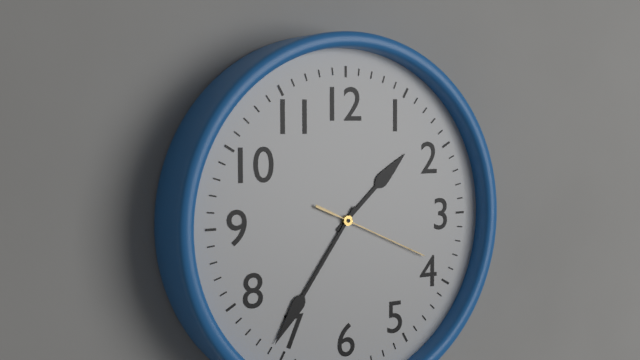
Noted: 1h36m19s
